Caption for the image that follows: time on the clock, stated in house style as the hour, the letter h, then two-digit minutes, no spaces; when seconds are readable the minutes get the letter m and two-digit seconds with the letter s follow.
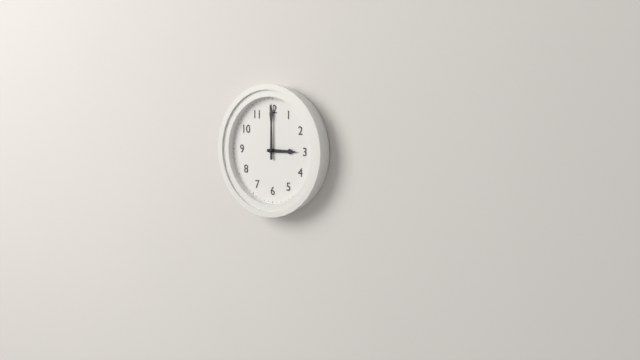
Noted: 3h00
